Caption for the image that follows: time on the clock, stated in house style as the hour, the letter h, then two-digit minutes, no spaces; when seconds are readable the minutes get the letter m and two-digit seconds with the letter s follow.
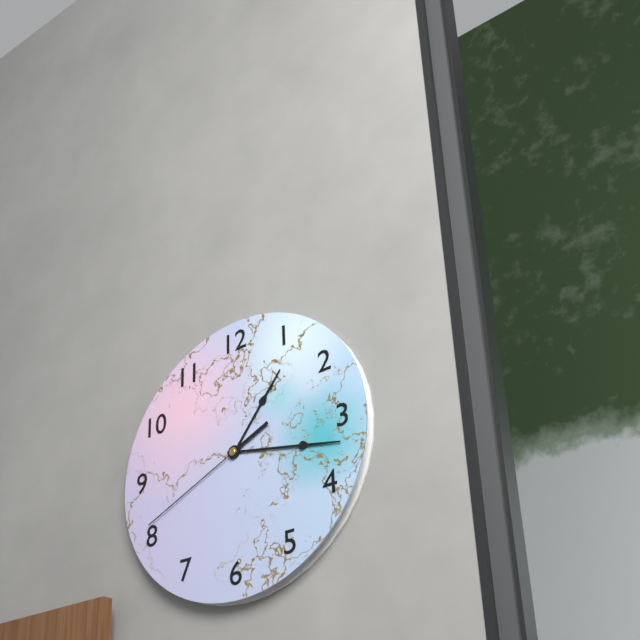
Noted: 1h17m41s
